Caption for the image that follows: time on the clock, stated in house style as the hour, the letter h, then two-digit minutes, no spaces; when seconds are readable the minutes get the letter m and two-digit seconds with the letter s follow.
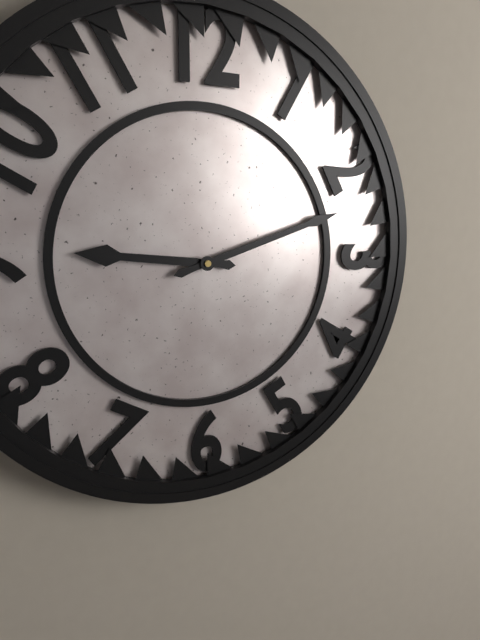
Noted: 9h12
